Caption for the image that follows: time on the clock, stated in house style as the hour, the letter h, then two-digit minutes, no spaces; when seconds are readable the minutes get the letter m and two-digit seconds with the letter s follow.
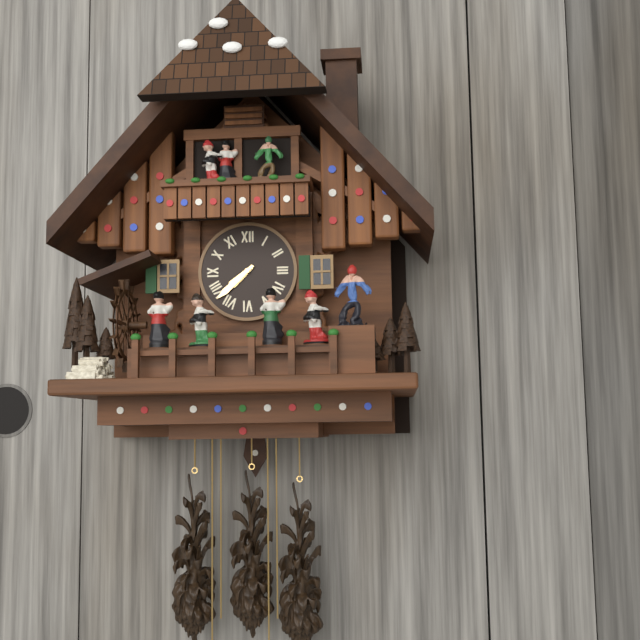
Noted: 7h38
